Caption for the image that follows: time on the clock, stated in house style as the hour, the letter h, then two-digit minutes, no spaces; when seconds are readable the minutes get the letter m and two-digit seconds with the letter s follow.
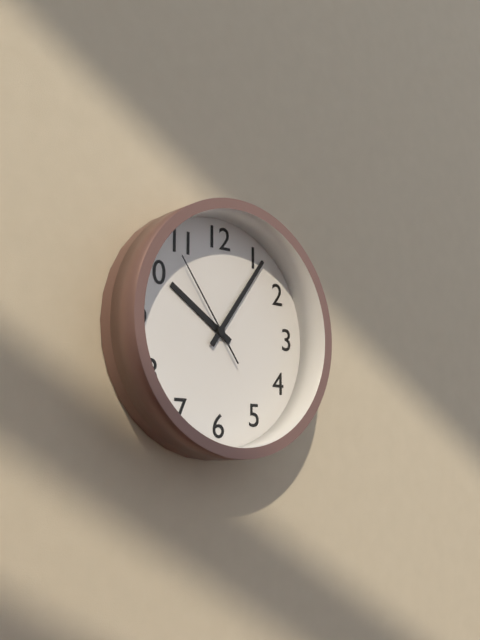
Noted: 10h06m54s
